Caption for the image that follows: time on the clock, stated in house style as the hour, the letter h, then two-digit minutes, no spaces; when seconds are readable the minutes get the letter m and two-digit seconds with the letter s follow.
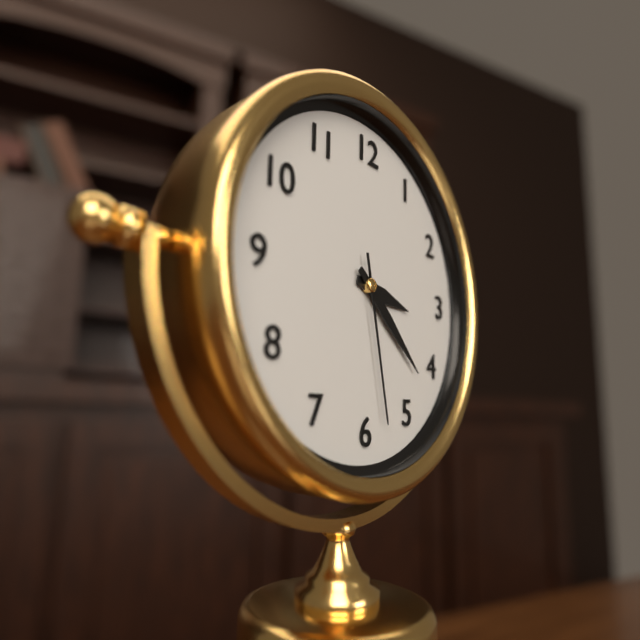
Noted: 3h22m28s
